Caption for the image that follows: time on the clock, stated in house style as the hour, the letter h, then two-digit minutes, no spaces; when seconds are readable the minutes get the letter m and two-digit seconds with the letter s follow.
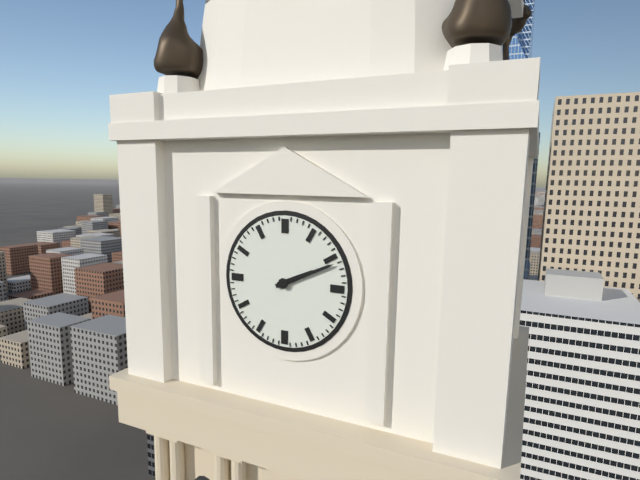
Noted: 2h11
